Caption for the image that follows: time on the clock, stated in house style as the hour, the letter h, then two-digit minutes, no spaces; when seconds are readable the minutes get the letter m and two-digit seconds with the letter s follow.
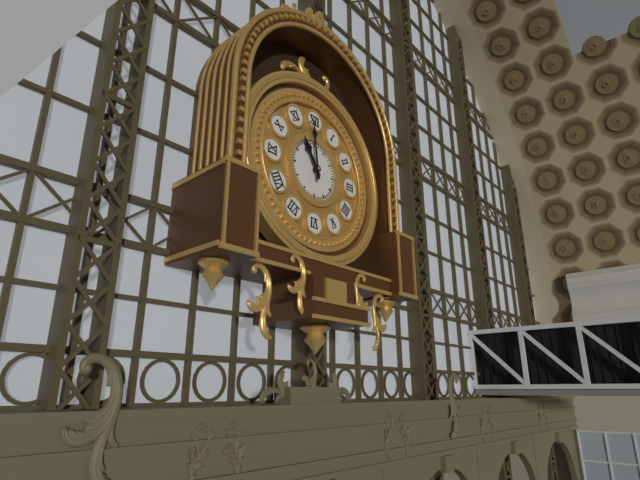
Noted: 10h59
